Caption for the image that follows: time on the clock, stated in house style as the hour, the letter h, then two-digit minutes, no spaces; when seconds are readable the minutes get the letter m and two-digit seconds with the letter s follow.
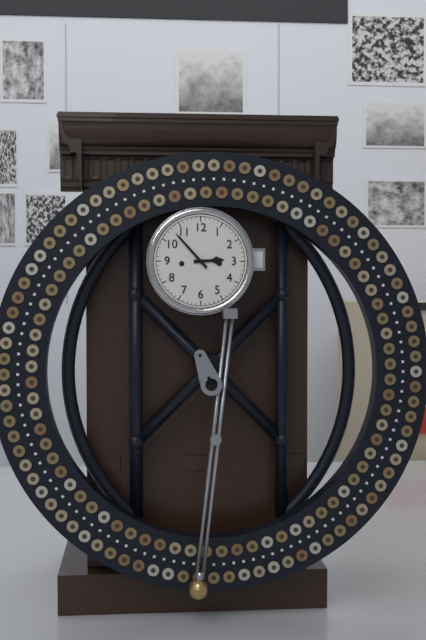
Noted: 2h53
